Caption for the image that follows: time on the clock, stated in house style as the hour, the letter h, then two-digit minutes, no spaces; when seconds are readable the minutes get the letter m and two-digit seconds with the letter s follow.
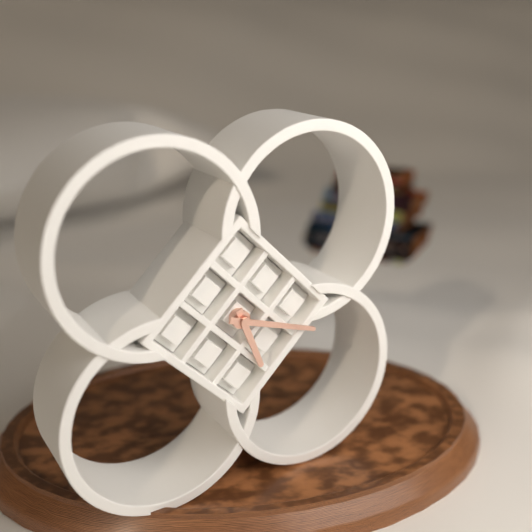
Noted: 5h18
